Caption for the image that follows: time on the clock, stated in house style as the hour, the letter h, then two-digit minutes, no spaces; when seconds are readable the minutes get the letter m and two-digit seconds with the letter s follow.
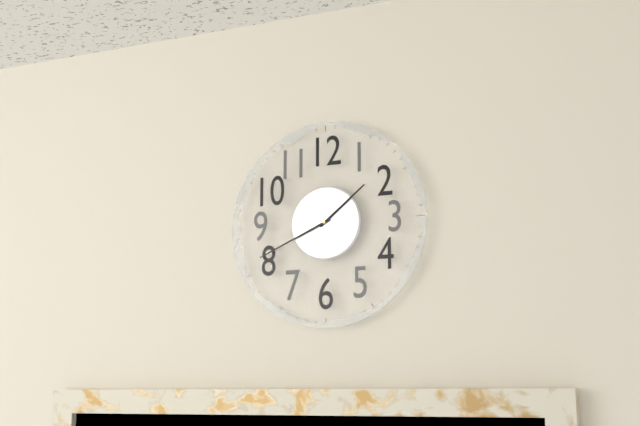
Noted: 1h41
